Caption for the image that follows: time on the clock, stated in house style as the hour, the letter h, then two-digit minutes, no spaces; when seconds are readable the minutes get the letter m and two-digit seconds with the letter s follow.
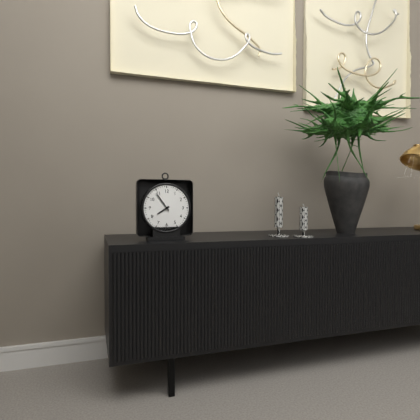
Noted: 7h54
